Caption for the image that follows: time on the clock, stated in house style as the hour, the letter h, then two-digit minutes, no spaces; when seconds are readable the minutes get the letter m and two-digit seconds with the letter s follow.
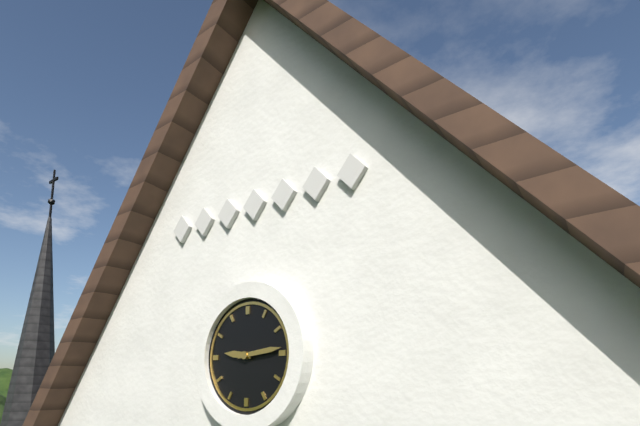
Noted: 9h14
